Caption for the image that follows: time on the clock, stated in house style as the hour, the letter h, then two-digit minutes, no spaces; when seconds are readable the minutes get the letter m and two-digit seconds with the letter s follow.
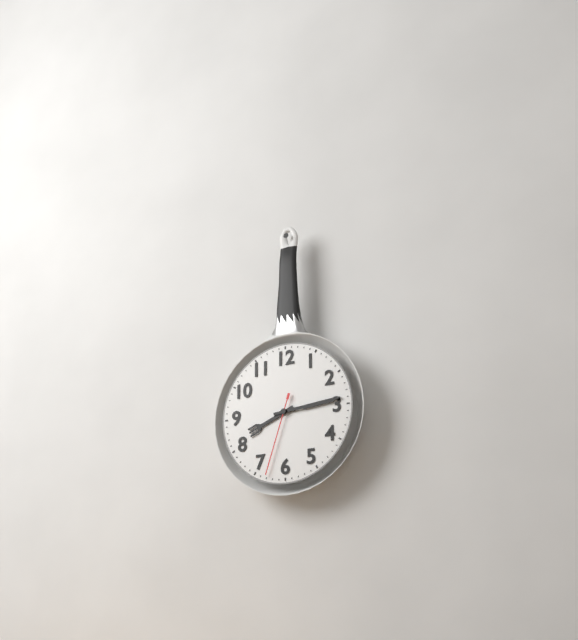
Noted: 8h14m33s
